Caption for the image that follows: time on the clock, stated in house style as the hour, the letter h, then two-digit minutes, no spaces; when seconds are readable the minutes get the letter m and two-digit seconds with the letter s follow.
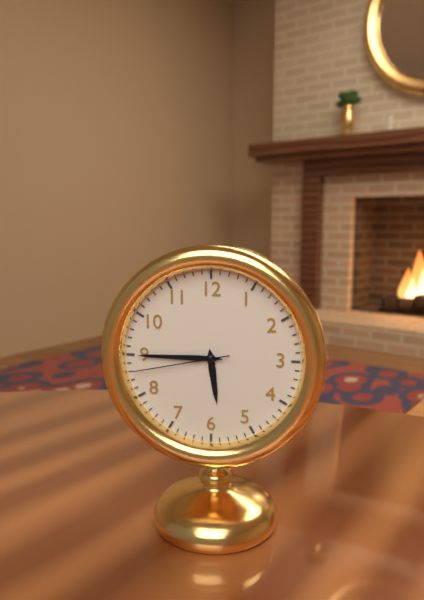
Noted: 5h45m43s
